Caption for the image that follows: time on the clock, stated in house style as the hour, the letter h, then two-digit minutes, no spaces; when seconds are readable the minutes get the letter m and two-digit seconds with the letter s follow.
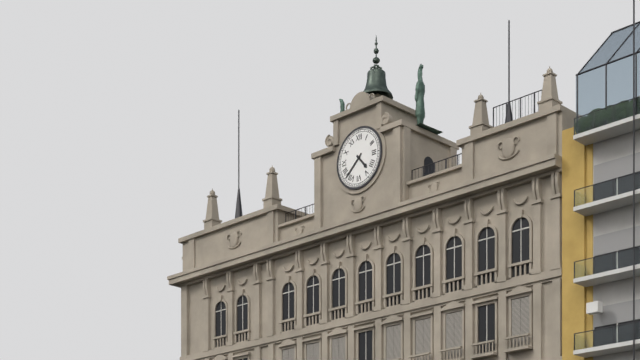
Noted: 4h38
